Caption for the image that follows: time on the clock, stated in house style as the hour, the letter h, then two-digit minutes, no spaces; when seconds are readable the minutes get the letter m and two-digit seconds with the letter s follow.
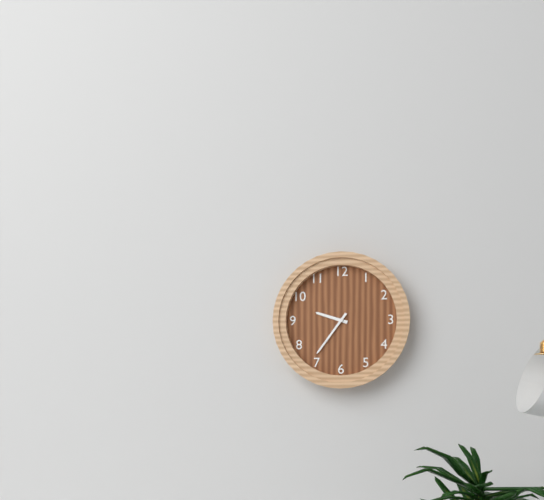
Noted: 9h36
